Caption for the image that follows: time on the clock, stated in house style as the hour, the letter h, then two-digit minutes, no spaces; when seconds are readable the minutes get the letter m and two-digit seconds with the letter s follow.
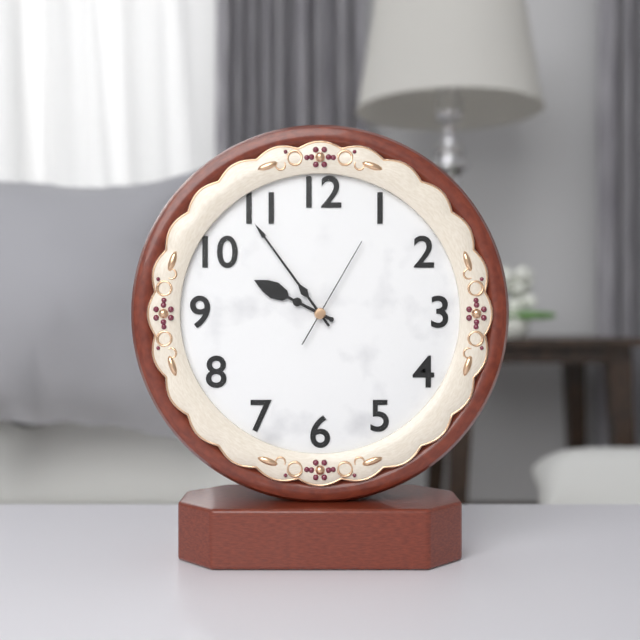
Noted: 9h54m05s
